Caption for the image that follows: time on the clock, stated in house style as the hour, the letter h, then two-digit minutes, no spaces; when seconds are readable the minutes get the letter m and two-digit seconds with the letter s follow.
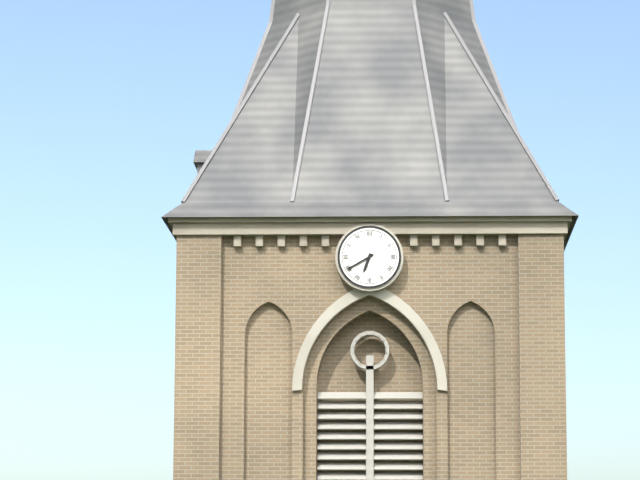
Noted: 6h40
